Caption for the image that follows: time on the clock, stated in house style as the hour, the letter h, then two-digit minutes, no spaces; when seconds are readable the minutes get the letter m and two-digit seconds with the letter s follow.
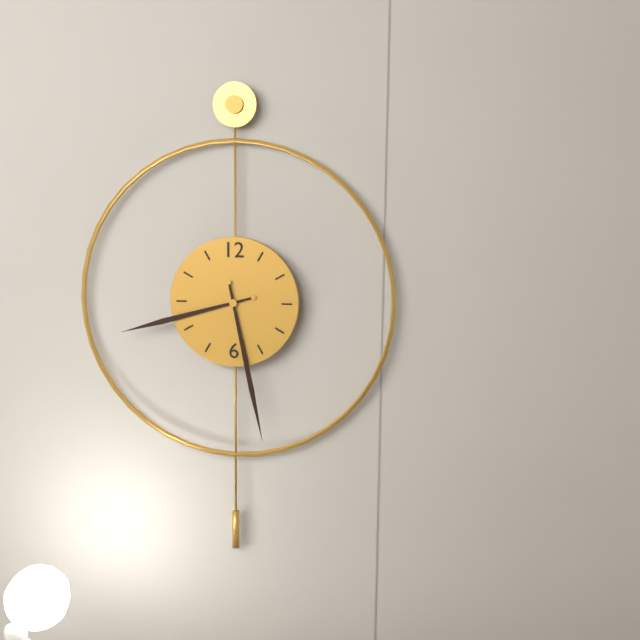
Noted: 8h28
